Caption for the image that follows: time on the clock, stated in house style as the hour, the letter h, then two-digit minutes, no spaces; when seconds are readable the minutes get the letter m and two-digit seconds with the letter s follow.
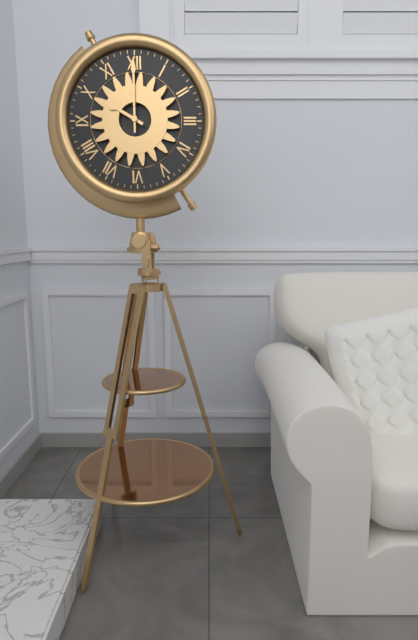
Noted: 10h00
